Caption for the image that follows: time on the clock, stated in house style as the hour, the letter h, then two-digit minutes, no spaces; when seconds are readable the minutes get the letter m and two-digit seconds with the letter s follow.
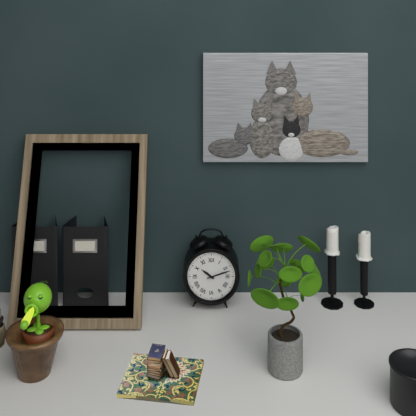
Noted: 10h12
